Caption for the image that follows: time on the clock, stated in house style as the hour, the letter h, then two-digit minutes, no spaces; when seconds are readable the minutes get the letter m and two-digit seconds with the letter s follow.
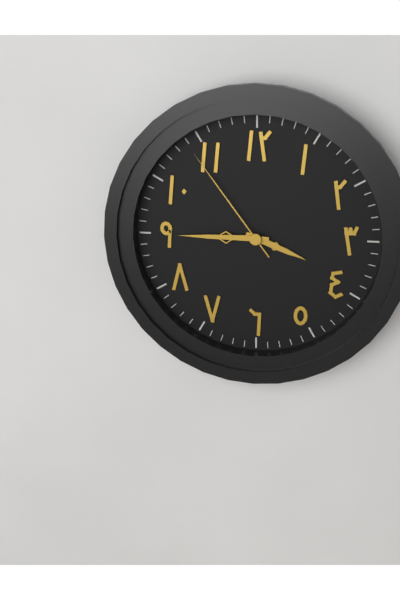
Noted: 3h45m54s
